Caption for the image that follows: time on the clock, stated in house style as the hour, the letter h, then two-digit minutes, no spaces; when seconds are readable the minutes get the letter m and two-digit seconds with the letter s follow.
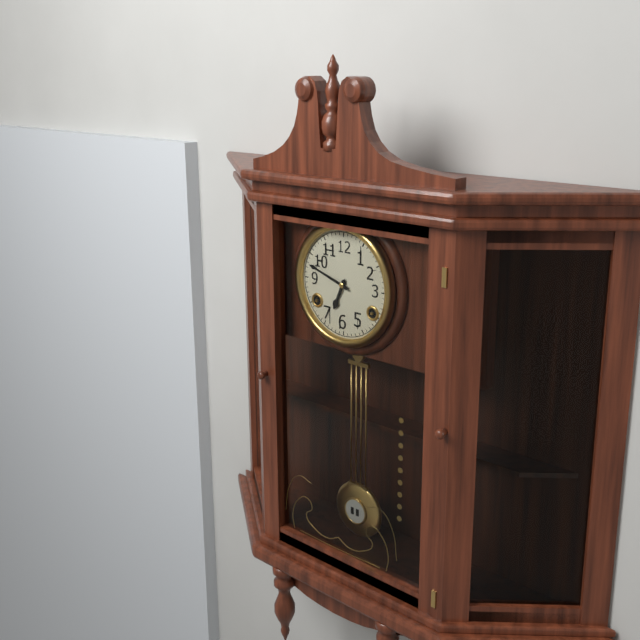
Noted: 6h48
